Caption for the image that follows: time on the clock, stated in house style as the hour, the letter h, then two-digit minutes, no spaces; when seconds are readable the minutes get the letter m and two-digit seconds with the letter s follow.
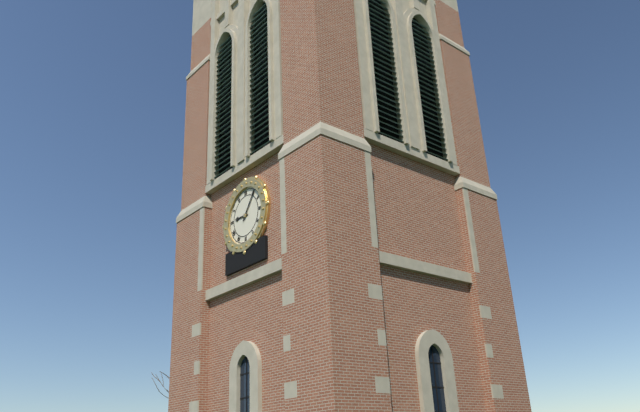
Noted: 9h06
